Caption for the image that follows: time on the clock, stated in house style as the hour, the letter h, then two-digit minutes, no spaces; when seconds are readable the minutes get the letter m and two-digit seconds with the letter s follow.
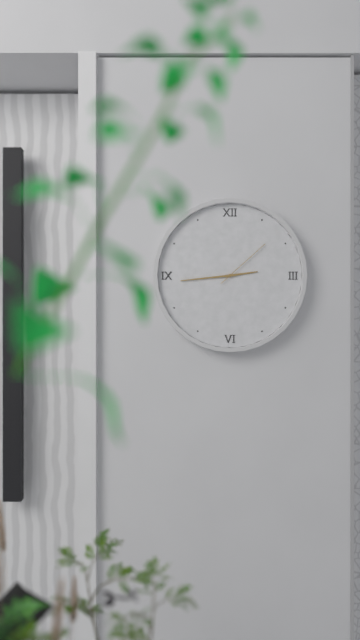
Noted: 2h44m08s
